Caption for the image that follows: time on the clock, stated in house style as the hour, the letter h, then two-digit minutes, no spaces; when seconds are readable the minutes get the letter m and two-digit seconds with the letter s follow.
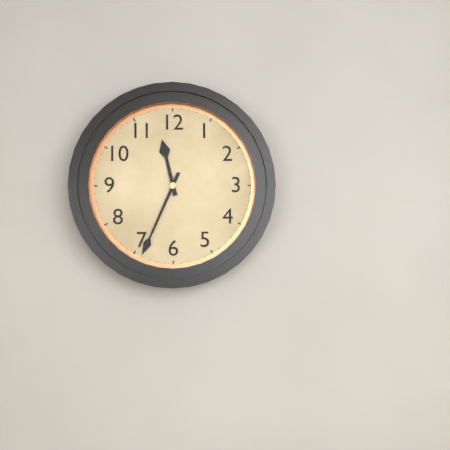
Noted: 11h34
